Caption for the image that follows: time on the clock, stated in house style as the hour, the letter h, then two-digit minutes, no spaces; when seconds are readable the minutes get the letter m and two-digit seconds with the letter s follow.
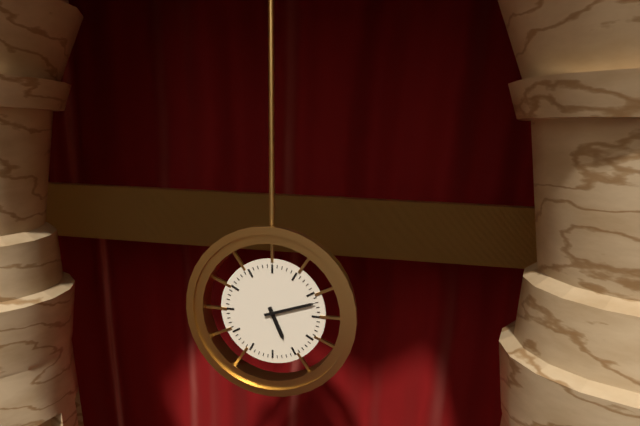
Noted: 5h12
